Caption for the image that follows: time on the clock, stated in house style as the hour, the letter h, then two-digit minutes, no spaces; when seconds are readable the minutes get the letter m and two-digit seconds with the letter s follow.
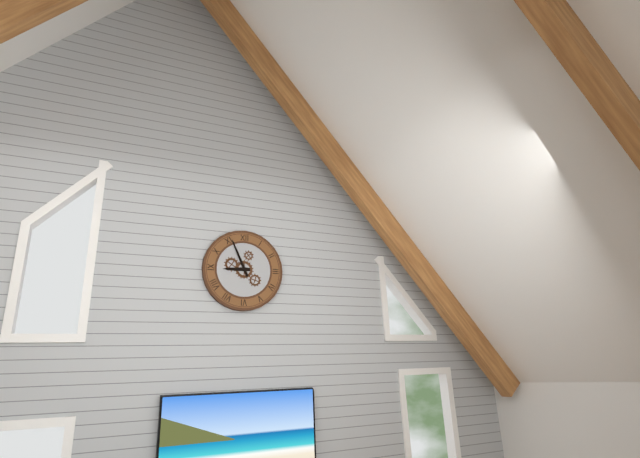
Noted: 8h56
